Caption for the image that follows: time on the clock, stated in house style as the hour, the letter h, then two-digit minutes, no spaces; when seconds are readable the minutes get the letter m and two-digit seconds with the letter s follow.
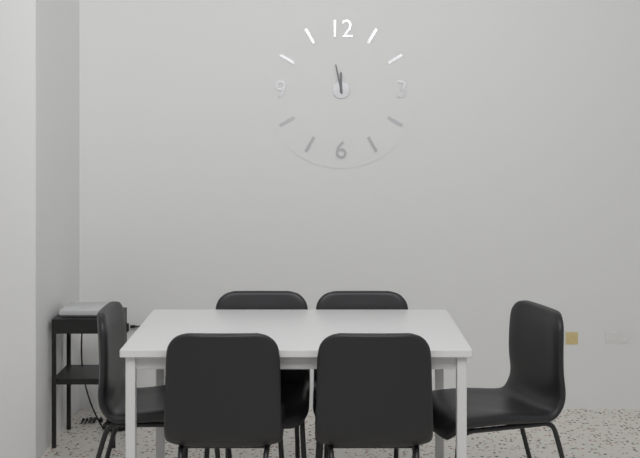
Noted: 11h58
